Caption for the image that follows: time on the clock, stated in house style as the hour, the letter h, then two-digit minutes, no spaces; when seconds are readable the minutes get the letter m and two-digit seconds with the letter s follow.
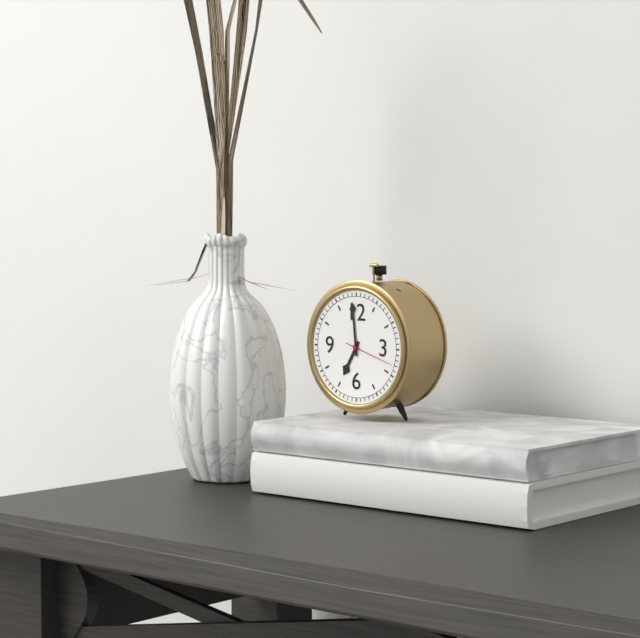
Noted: 6h59m18s
